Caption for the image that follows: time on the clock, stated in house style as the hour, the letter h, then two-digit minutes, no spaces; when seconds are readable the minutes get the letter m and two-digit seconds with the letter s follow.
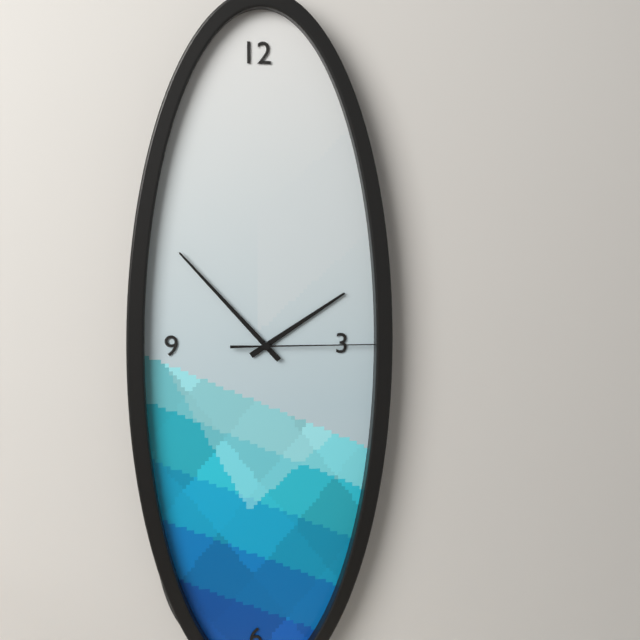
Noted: 1h53m15s
